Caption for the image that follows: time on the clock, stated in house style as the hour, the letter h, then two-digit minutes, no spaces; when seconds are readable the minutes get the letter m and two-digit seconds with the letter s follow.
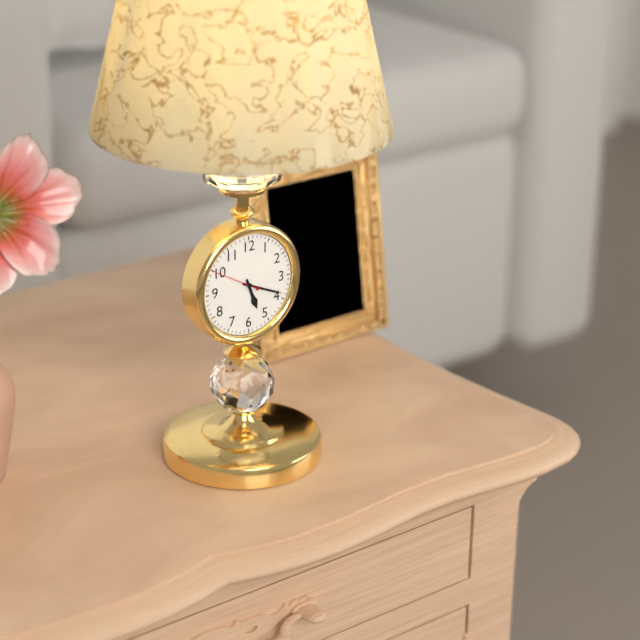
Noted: 5h19
